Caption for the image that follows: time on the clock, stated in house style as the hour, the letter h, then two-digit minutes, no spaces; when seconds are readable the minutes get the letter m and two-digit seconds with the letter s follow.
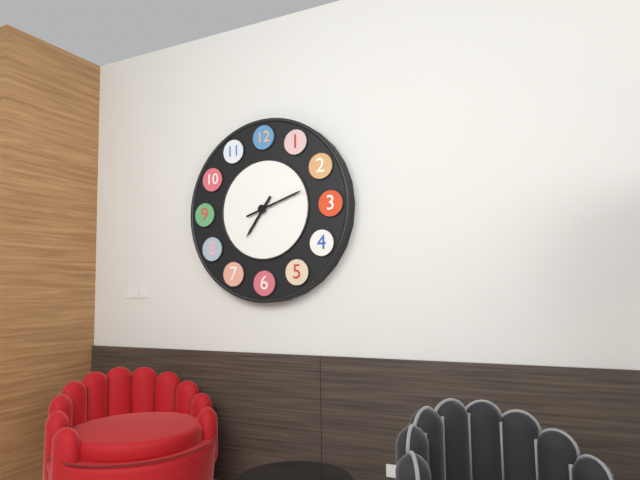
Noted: 7h12
